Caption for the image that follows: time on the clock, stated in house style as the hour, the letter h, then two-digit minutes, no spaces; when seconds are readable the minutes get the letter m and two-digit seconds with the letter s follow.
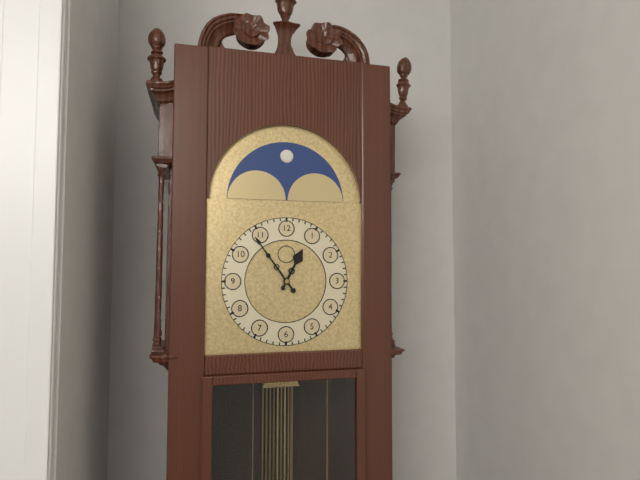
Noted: 12h54
